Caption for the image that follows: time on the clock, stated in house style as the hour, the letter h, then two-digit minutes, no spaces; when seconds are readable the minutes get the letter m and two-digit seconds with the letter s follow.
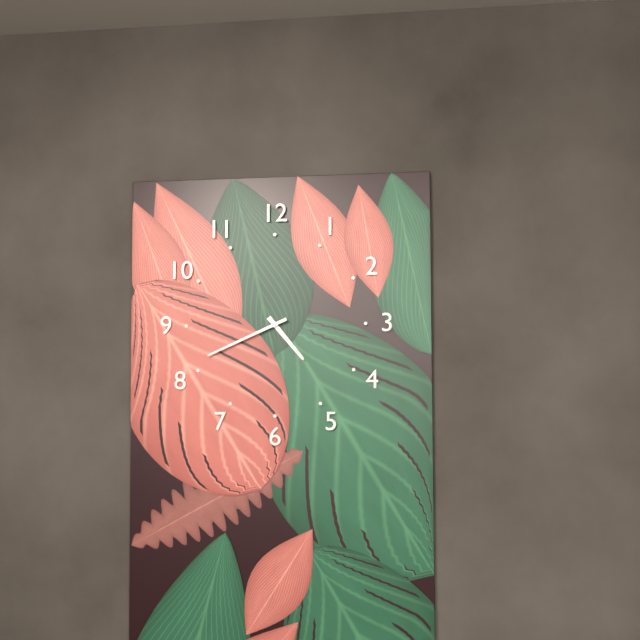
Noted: 4h41
